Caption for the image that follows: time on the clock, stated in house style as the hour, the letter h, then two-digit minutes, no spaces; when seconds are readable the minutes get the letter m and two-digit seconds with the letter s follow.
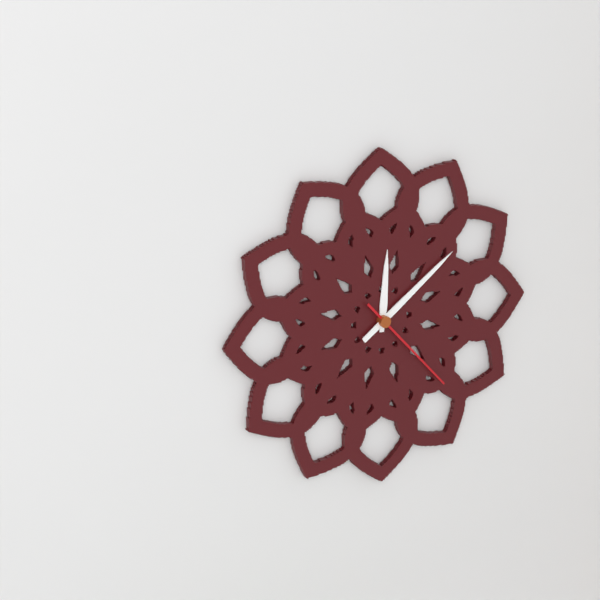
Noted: 12h09m23s
